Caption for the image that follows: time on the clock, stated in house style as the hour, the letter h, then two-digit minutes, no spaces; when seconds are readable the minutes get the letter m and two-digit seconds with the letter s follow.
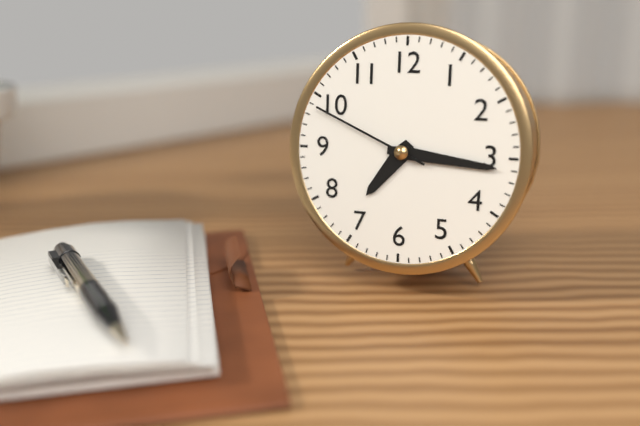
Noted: 7h16m49s
